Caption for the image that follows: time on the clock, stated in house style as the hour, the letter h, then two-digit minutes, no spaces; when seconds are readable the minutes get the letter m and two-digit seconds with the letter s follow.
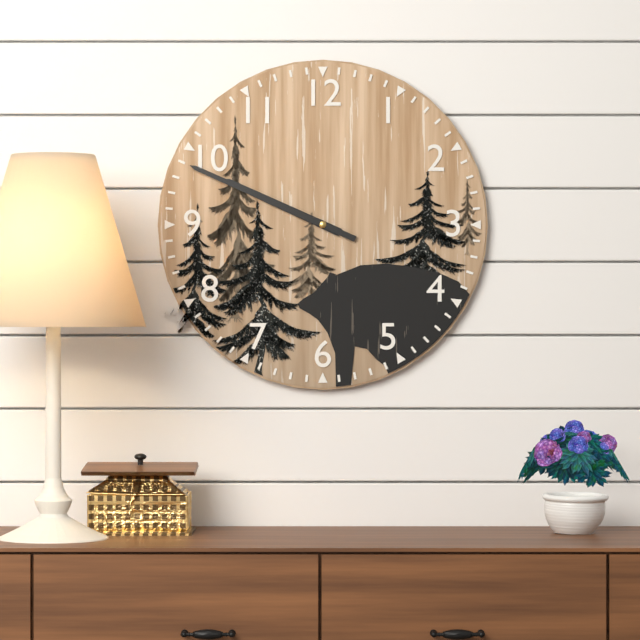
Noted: 9h49
